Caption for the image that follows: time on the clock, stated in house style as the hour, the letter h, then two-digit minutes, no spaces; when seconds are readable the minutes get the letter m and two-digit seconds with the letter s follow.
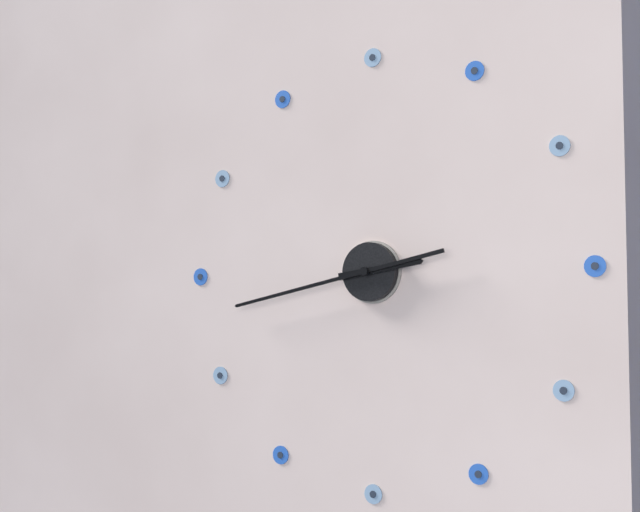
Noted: 2h43
